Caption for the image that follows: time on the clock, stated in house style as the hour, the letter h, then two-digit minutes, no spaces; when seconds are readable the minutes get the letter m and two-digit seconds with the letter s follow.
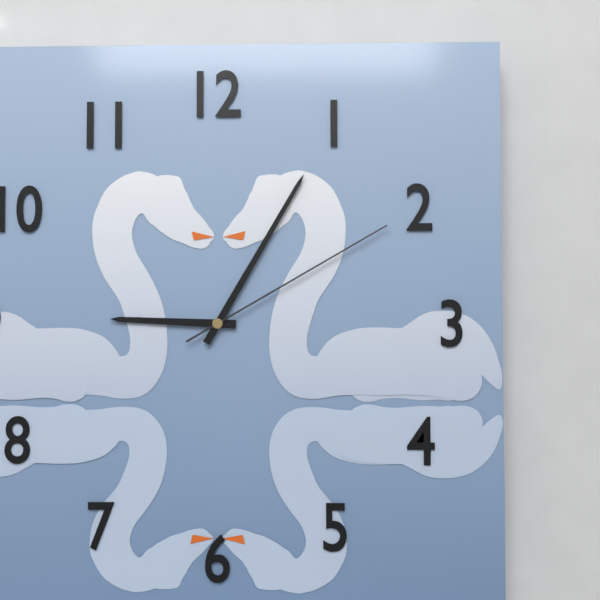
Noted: 9h05m10s
